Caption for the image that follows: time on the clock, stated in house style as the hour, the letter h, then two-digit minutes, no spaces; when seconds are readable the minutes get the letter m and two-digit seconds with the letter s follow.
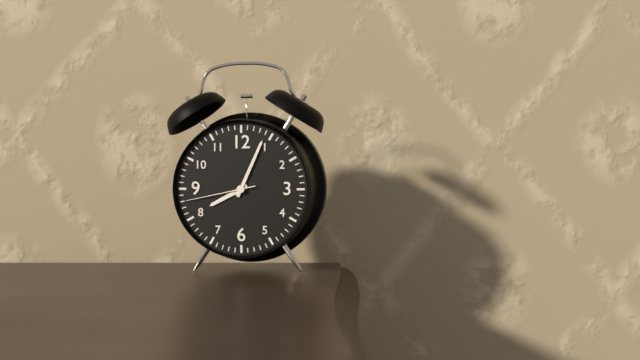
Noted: 8h04m43s
